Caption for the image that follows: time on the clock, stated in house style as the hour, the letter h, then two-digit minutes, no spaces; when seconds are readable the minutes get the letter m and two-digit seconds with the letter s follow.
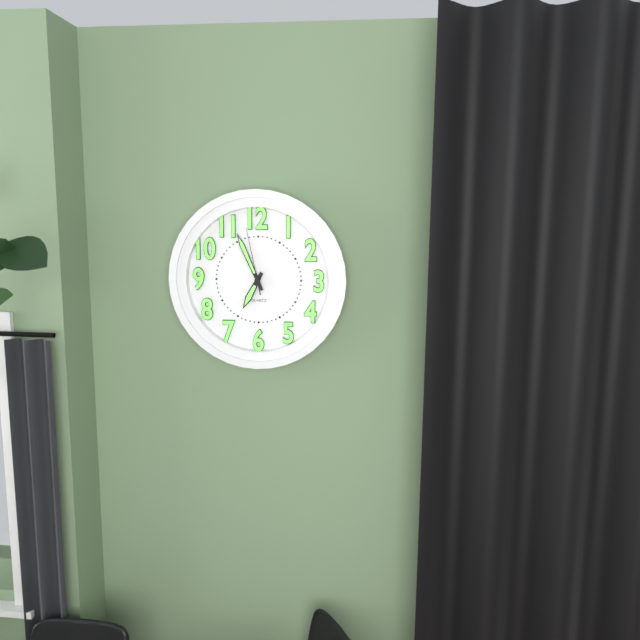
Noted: 6h56m58s
